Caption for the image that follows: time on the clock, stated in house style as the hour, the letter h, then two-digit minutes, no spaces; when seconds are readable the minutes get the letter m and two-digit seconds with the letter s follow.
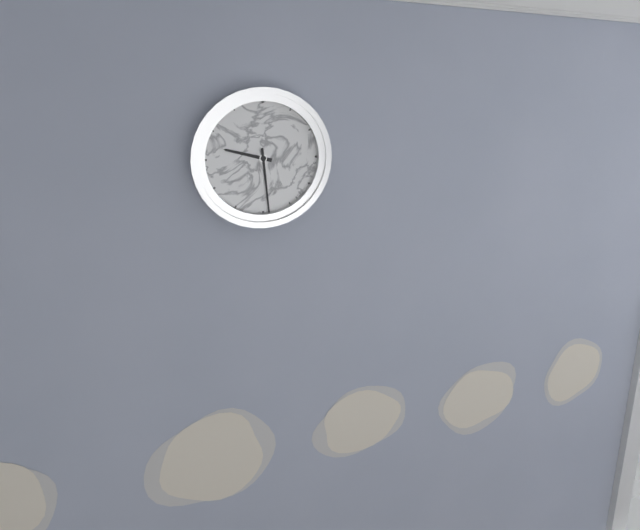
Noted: 9h29
